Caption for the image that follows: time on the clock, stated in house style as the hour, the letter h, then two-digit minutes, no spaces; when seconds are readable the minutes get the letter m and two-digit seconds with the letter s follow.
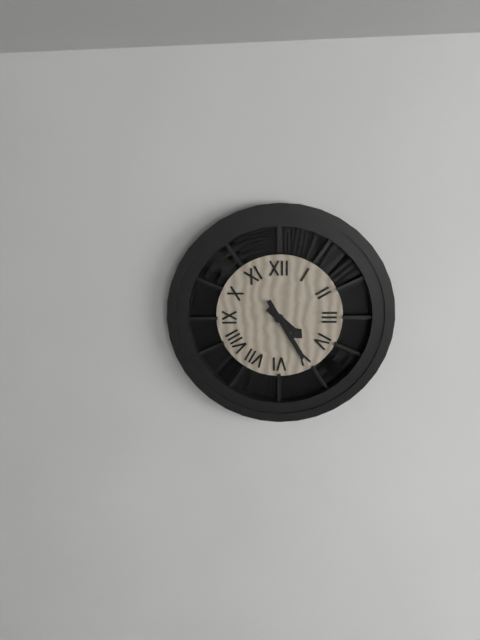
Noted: 4h25
